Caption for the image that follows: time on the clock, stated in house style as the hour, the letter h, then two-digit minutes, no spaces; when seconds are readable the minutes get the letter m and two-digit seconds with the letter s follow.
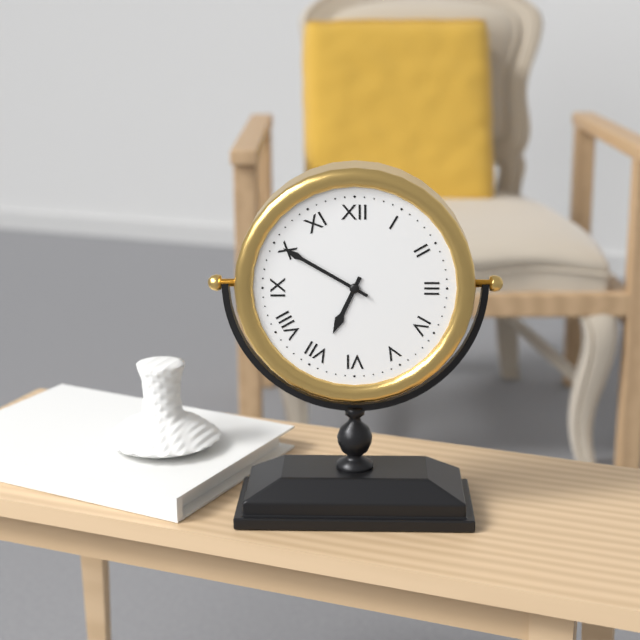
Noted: 6h50
